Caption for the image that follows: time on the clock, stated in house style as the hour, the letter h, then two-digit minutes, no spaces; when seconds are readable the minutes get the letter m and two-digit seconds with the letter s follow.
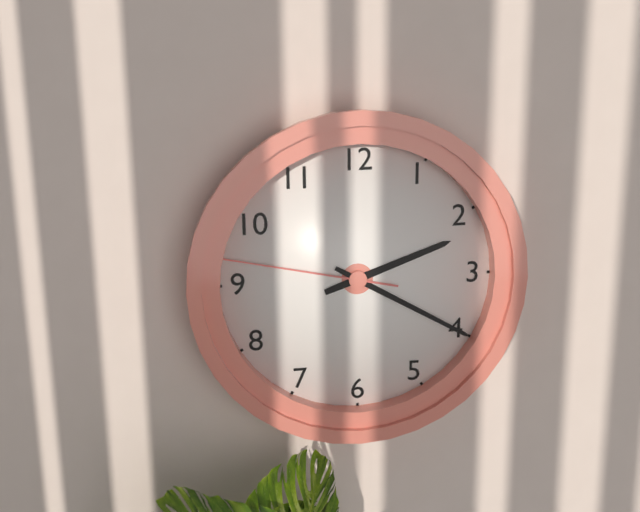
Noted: 2h20m47s
